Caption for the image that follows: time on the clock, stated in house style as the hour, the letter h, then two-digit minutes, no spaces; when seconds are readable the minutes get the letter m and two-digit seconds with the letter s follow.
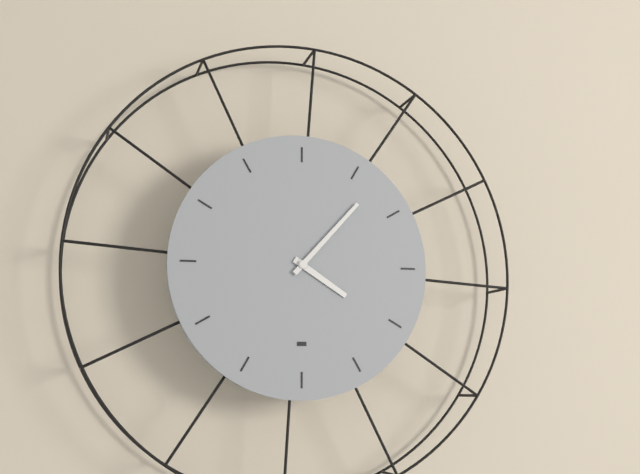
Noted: 4h07
